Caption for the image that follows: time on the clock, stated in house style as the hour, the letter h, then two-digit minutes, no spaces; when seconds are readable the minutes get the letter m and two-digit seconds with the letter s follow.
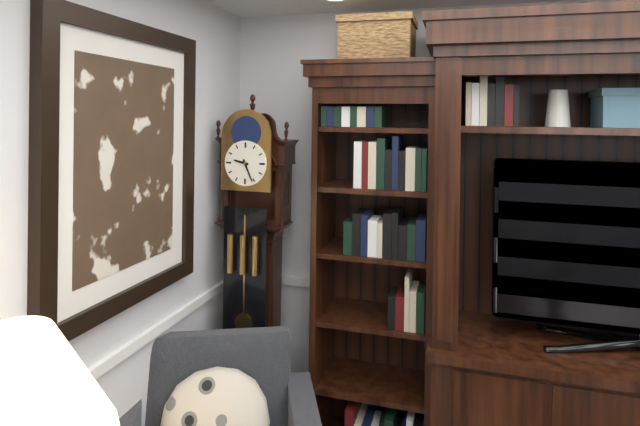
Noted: 9h26
